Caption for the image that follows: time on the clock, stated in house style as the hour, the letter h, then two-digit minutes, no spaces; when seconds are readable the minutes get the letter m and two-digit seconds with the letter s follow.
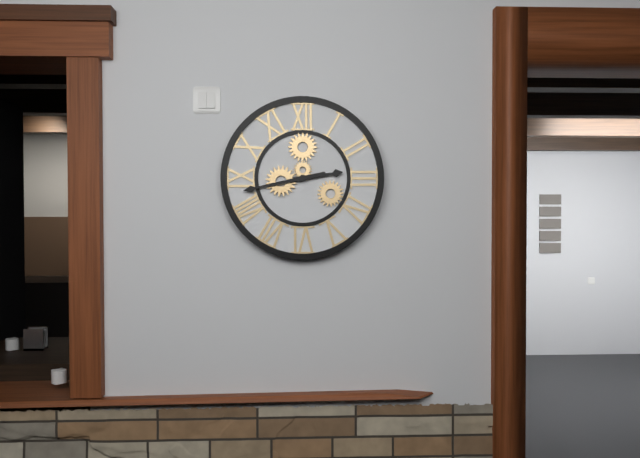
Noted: 2h43
